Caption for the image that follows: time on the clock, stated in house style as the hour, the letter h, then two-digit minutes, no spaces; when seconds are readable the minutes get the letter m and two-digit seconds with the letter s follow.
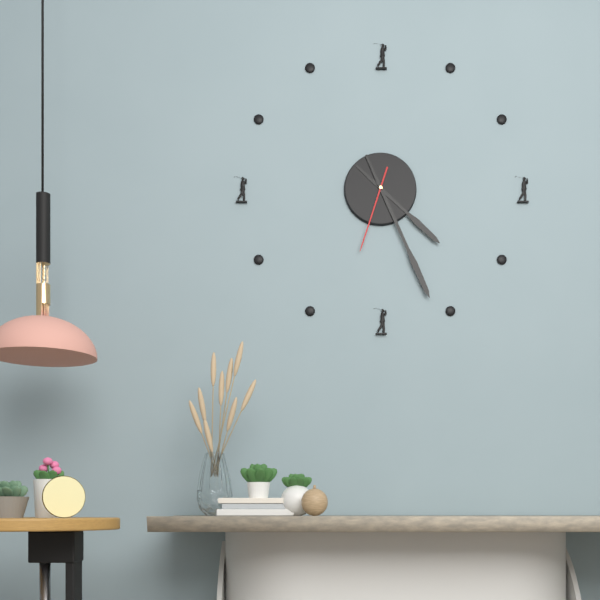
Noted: 4h26m33s
